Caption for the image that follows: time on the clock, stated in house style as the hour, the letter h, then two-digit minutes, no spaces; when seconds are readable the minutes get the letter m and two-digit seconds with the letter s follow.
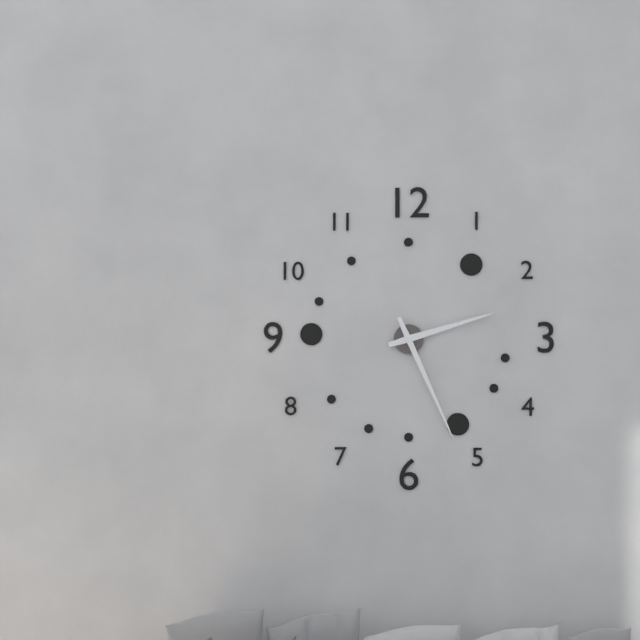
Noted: 2h26
